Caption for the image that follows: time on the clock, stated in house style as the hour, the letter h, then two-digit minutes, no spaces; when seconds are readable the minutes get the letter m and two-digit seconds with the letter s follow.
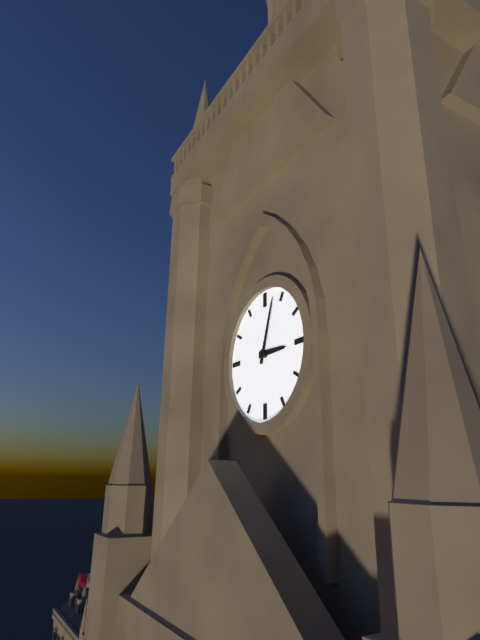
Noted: 3h03
